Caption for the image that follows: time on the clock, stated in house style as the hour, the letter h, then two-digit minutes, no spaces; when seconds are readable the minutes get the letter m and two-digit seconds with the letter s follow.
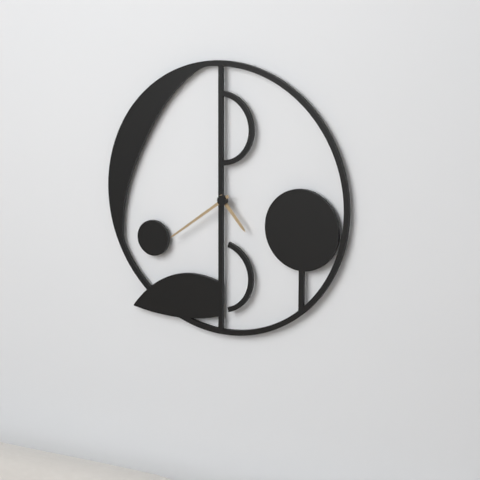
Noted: 4h39
